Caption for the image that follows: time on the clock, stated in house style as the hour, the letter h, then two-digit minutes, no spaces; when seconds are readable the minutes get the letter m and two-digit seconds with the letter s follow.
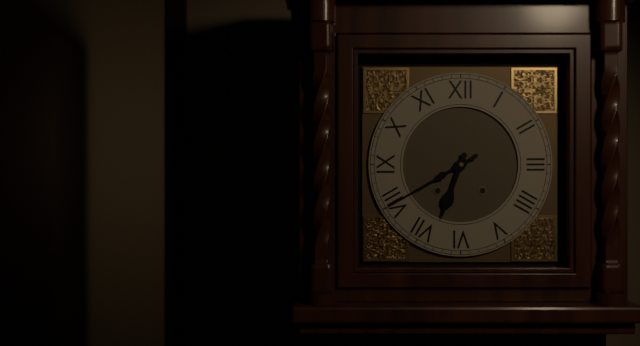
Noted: 6h40
